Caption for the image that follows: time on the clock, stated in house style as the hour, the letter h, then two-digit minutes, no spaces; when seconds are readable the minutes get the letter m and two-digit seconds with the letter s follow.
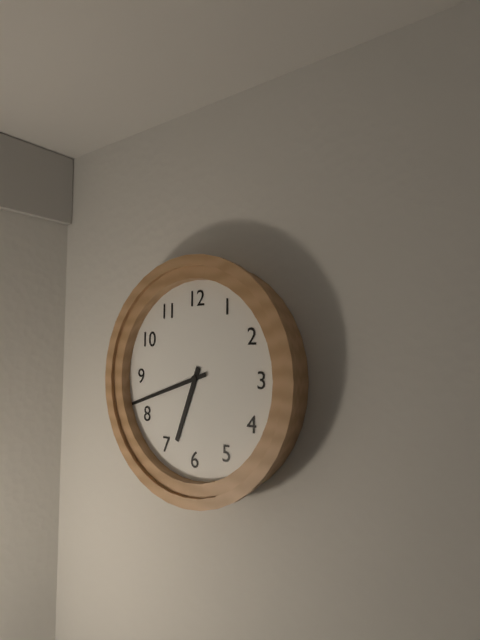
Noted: 6h42
